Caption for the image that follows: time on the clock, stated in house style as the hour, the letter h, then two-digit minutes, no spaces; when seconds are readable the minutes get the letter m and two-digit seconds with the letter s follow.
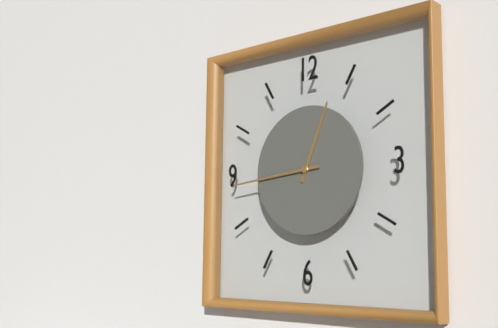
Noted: 12h44
